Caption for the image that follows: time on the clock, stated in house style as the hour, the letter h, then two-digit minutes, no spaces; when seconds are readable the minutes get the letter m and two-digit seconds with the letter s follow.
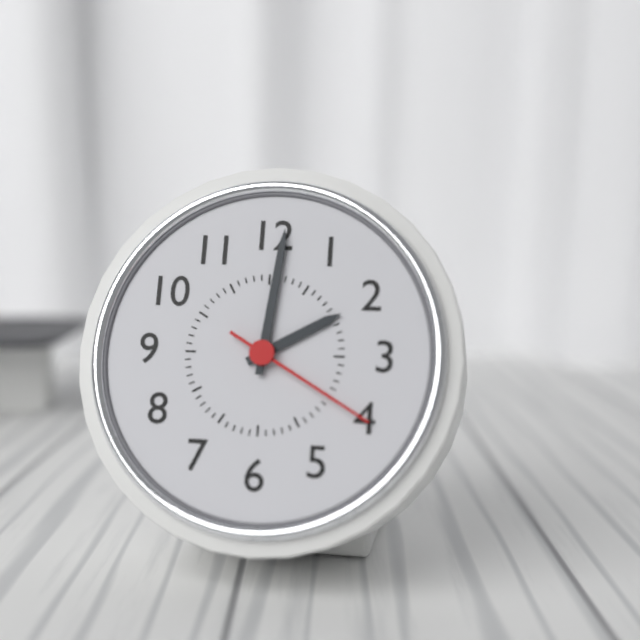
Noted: 2h01m20s
